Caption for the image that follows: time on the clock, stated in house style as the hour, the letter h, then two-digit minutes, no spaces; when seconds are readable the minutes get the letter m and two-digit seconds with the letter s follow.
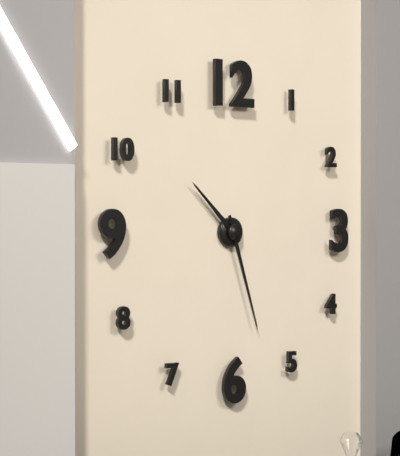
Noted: 10h27
